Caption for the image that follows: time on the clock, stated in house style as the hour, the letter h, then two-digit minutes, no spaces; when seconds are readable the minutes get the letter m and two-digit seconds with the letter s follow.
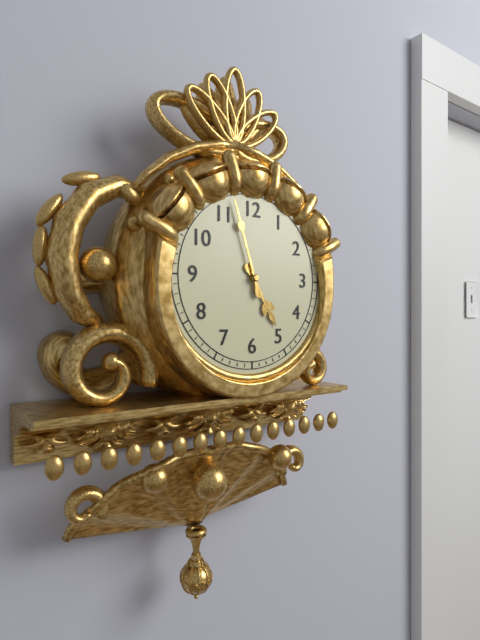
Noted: 4h57
